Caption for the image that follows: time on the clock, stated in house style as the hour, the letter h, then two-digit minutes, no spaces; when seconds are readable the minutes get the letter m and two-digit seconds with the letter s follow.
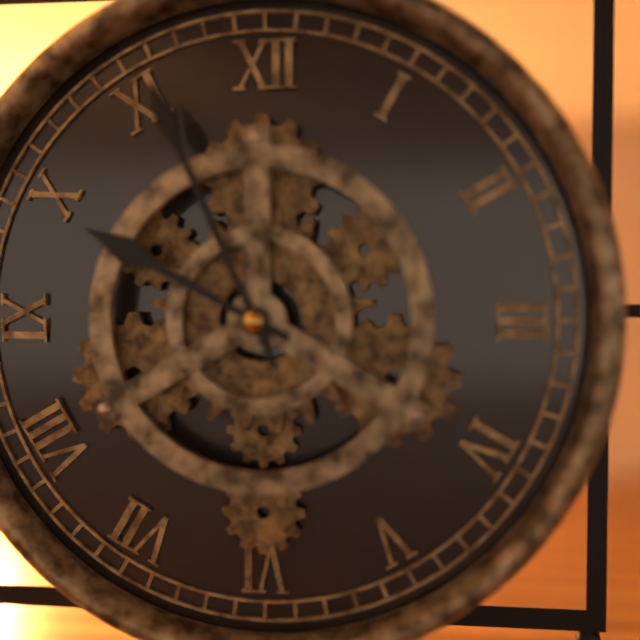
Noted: 9h56
